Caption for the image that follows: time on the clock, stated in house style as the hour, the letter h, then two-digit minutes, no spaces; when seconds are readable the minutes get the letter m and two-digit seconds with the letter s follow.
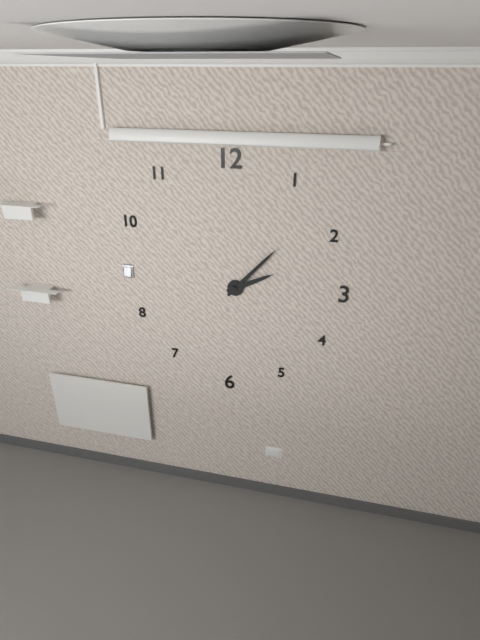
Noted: 2h07
